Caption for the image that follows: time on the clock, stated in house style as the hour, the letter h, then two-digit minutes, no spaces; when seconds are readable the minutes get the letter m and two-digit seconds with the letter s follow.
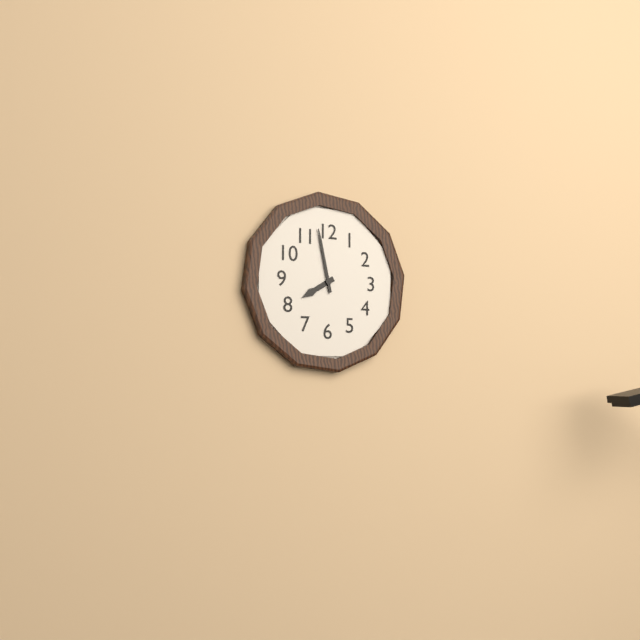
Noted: 7h58
